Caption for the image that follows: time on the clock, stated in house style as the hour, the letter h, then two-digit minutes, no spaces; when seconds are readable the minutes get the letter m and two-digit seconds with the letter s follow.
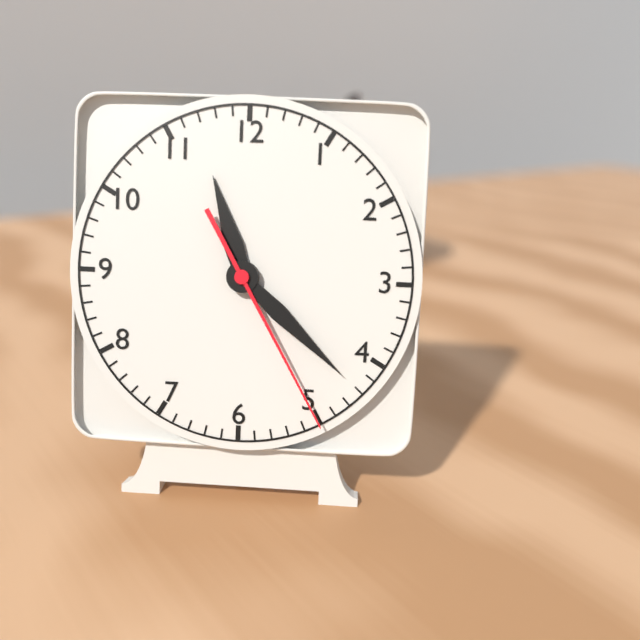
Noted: 11h22m25s
